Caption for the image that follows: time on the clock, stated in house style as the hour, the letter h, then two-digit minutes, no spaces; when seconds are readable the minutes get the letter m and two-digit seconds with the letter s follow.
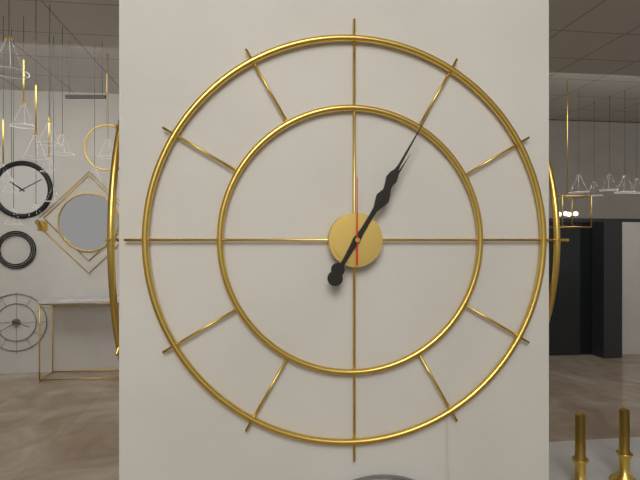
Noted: 1h05m00s
